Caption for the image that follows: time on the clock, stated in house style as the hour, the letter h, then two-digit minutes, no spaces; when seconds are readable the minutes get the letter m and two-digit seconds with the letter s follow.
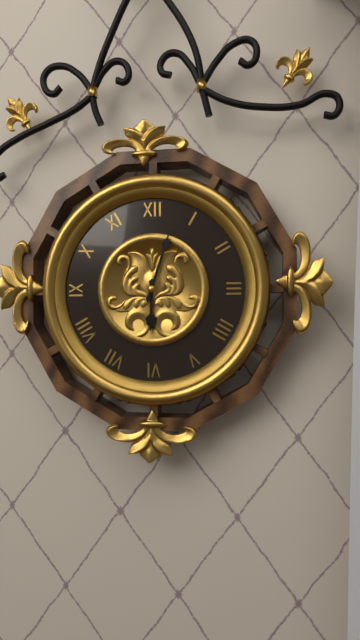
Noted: 6h03
